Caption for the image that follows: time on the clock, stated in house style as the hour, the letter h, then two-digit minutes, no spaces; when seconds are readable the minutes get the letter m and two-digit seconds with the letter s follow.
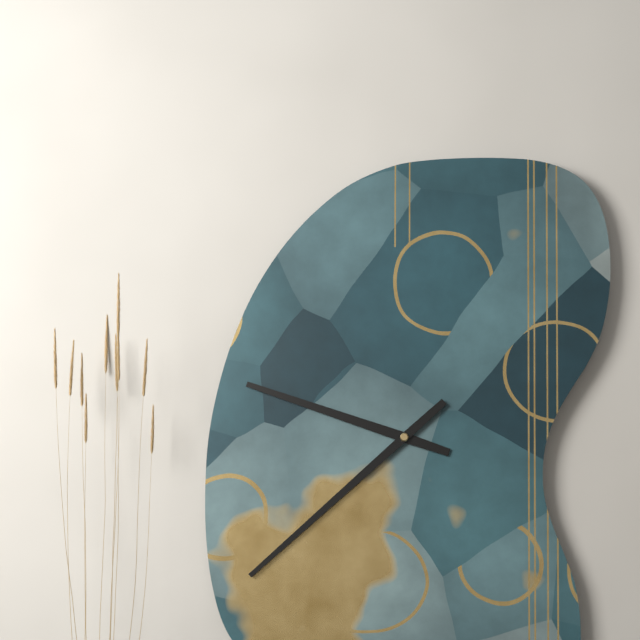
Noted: 9h38
